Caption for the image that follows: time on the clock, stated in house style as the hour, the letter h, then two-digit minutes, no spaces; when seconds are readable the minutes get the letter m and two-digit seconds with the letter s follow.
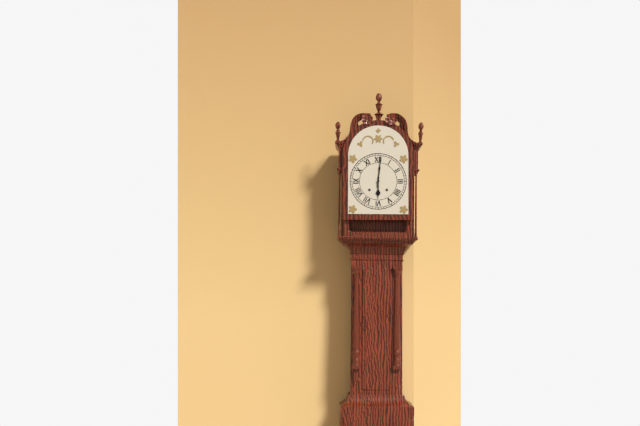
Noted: 6h01
